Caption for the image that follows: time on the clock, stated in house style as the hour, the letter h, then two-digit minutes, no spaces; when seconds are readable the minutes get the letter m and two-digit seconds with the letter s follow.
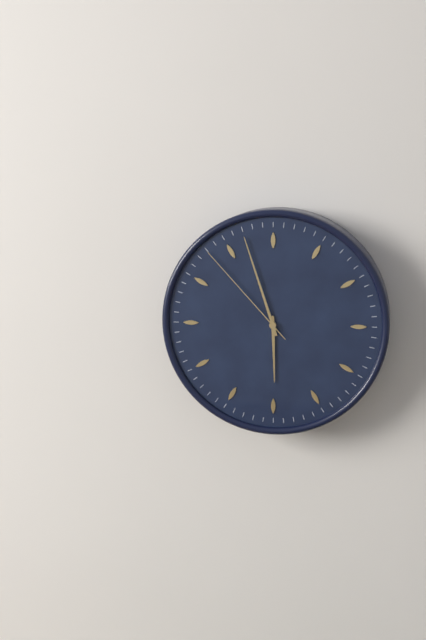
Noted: 5h57m53s
